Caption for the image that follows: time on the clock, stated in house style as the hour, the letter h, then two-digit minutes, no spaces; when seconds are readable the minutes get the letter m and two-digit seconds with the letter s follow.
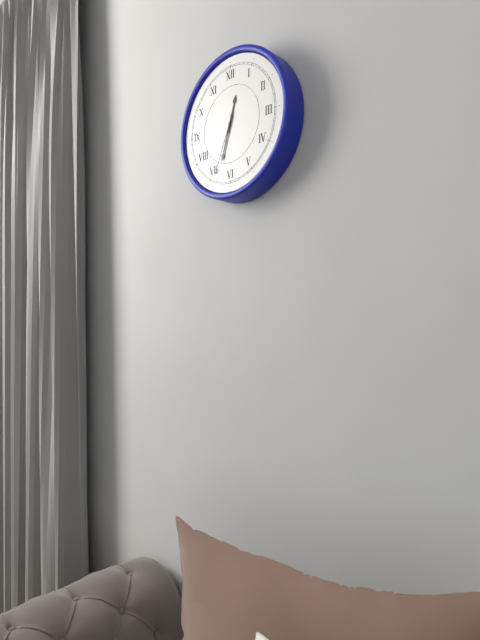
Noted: 12h33m34s
